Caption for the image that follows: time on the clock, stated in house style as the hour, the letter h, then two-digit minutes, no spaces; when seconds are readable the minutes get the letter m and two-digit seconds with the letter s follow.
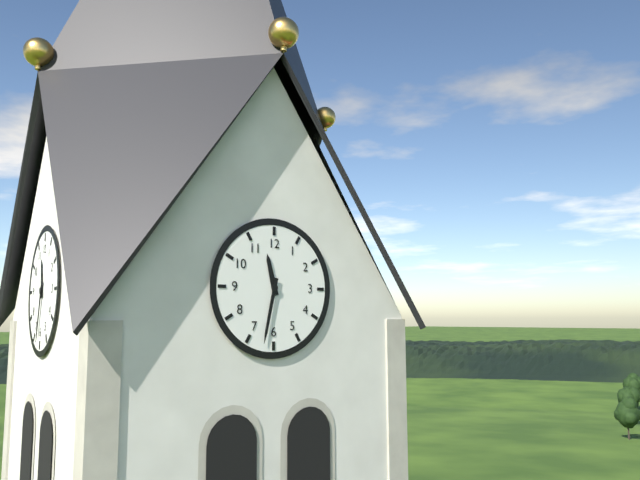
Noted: 11h32
